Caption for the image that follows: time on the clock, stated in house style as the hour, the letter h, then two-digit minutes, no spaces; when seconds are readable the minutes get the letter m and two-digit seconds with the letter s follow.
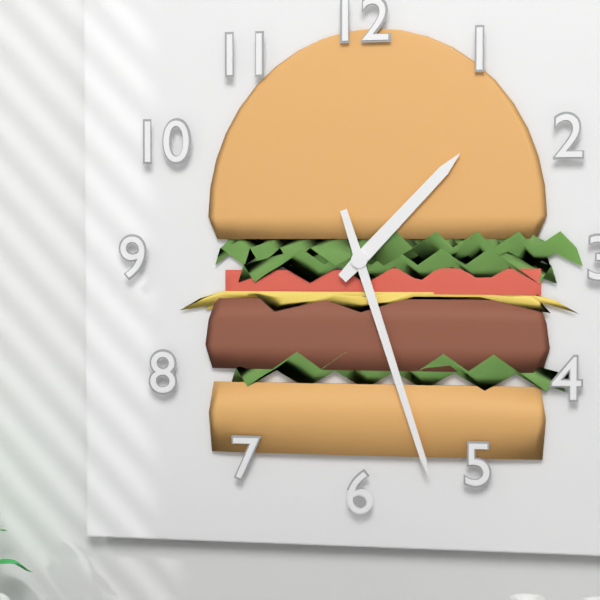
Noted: 1h27
